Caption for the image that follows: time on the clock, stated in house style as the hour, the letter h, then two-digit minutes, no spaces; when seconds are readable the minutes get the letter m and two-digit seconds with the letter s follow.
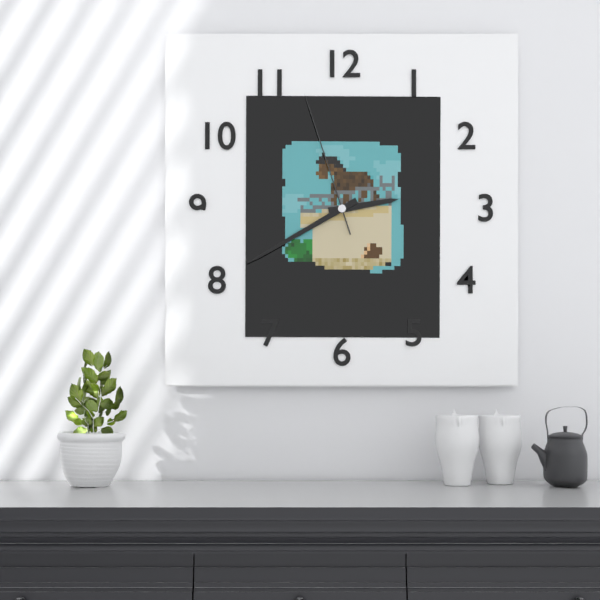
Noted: 2h40m57s
